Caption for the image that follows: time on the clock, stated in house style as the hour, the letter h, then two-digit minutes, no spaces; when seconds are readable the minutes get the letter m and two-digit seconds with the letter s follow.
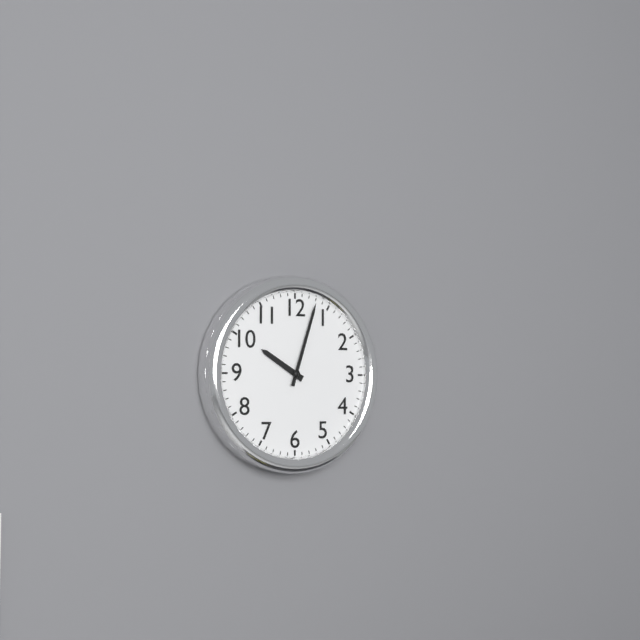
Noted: 10h03
